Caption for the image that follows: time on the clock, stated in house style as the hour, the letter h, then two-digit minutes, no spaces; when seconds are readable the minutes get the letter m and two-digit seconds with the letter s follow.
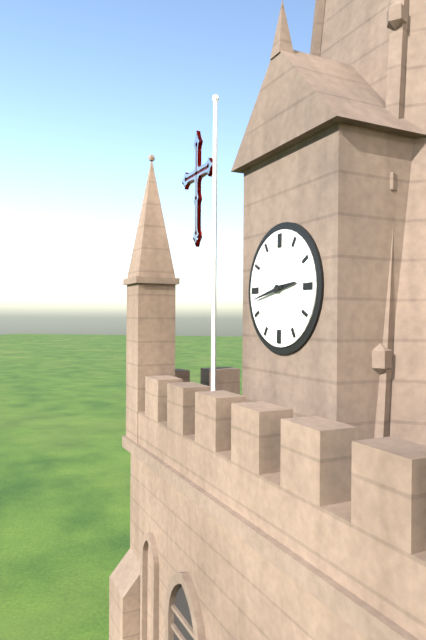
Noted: 2h43
